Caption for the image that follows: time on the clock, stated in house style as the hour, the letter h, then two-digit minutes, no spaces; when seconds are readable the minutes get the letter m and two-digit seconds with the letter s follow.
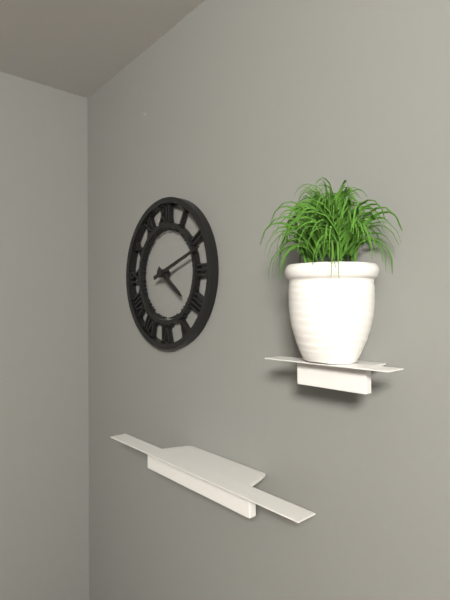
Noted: 4h12
